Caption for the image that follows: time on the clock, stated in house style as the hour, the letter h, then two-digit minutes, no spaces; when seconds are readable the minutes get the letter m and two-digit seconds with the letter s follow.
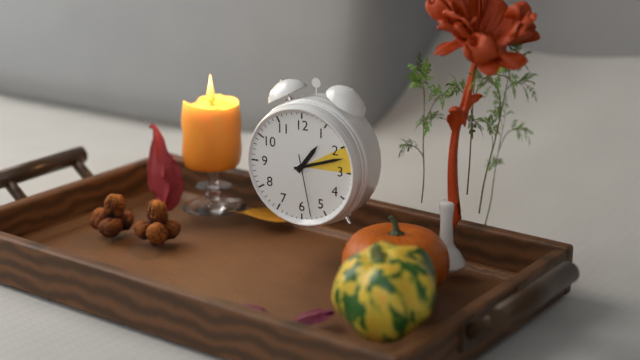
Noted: 1h12m28s
